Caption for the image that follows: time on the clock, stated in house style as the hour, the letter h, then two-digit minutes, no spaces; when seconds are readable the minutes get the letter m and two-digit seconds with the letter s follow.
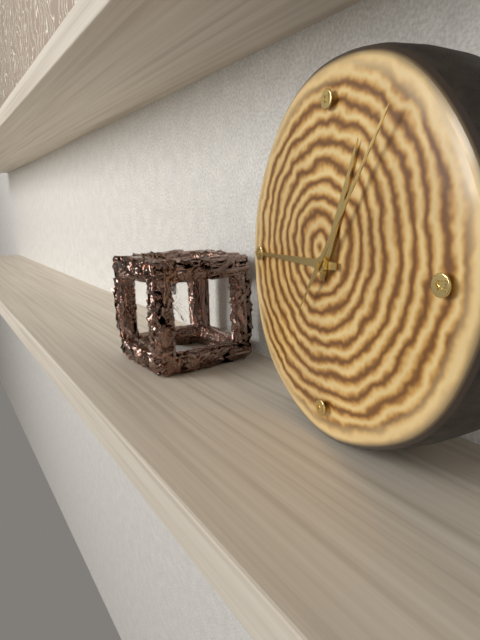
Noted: 12h45m06s
